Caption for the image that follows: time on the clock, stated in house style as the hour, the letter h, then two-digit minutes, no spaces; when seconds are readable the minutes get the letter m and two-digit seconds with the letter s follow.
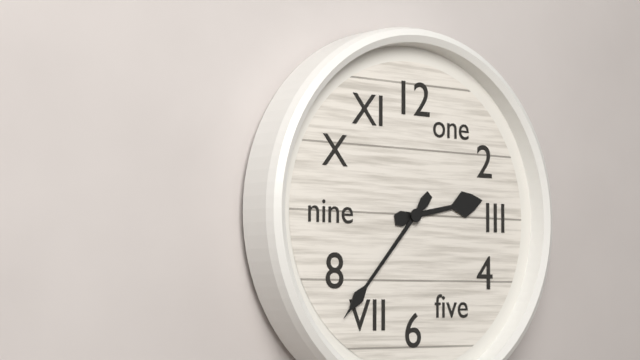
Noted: 2h37
